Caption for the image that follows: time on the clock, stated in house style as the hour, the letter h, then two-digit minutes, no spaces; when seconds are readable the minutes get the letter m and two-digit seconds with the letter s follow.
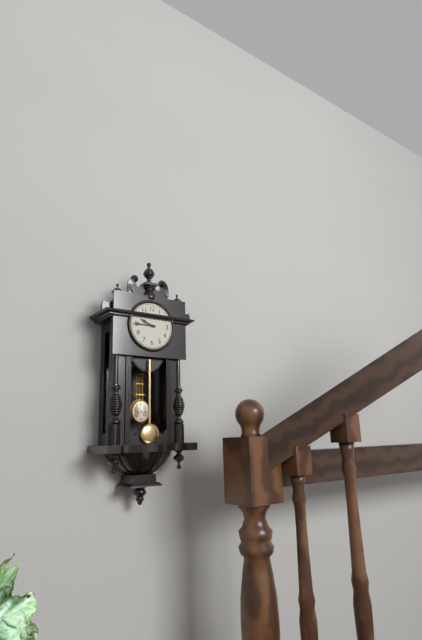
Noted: 9h45
